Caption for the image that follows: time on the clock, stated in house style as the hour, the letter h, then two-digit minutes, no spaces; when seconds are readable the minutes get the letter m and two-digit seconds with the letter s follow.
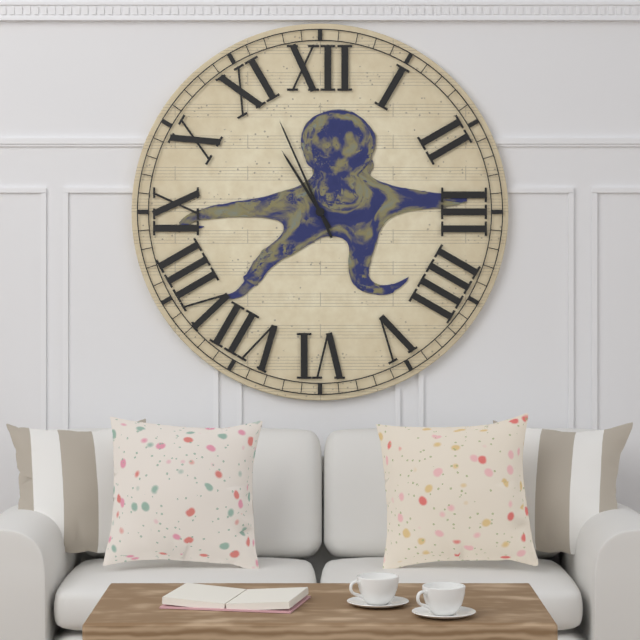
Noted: 10h56
